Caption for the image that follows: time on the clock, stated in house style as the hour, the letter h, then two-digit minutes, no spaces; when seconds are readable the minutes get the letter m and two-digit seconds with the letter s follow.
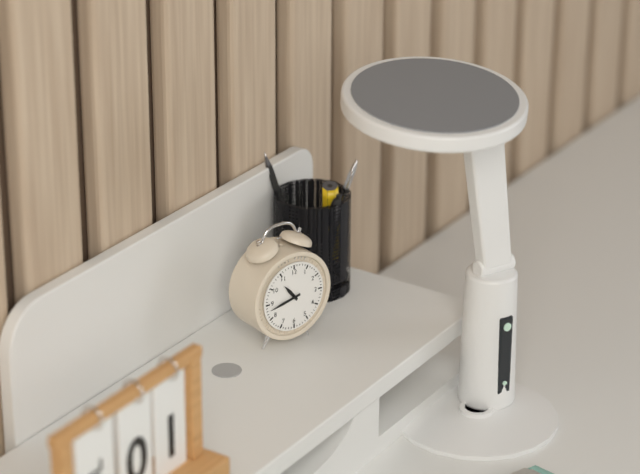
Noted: 10h43
